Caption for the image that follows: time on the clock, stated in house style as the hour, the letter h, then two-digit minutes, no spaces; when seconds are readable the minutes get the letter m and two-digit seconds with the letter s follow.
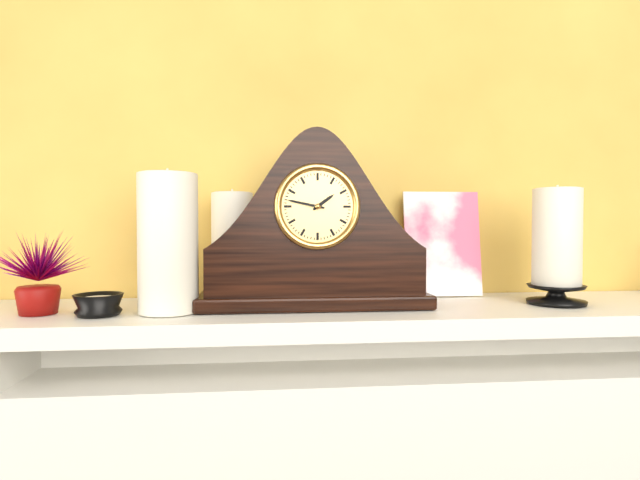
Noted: 1h47
